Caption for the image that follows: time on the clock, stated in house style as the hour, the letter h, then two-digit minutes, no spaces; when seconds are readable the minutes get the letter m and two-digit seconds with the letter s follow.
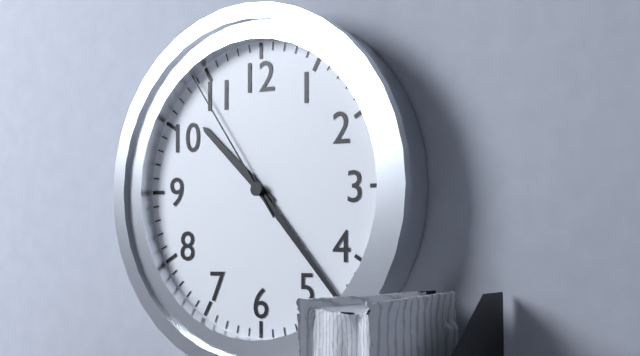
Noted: 10h23m54s
